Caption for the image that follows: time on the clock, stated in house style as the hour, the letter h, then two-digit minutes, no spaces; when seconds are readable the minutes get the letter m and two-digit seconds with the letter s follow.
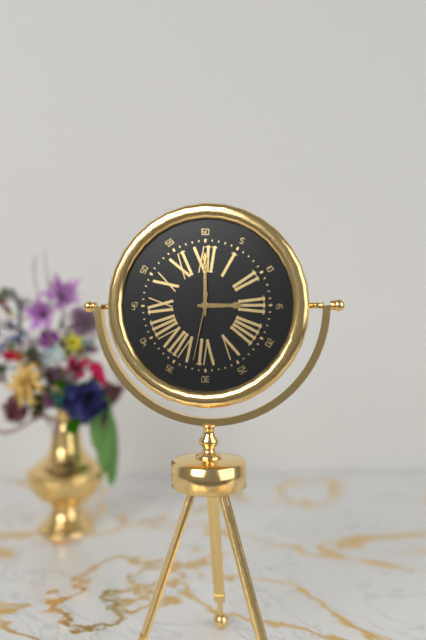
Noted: 3h00m32s
